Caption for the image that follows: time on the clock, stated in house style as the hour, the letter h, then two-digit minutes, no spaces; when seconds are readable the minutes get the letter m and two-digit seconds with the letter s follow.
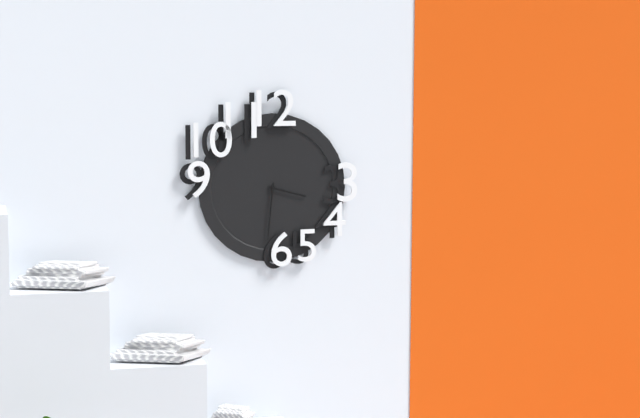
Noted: 3h31
